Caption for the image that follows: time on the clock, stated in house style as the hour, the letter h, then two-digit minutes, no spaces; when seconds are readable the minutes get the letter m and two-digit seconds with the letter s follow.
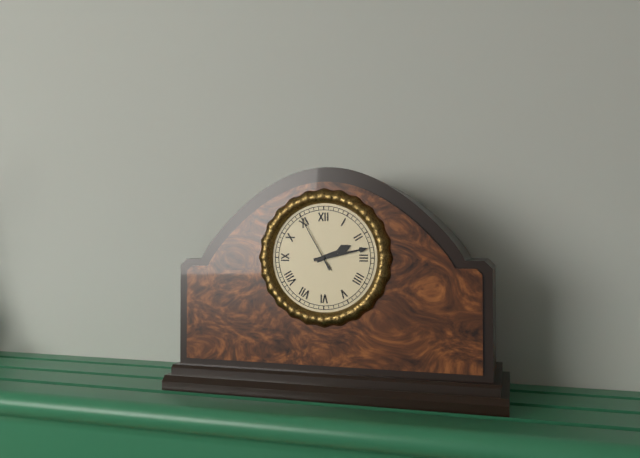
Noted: 2h13m55s
